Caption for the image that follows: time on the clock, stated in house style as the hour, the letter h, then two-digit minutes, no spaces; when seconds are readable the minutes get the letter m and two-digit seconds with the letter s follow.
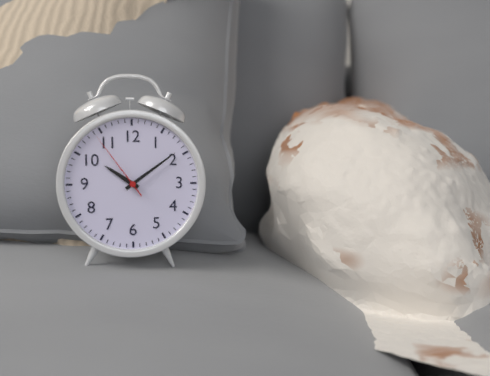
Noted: 10h09m54s
